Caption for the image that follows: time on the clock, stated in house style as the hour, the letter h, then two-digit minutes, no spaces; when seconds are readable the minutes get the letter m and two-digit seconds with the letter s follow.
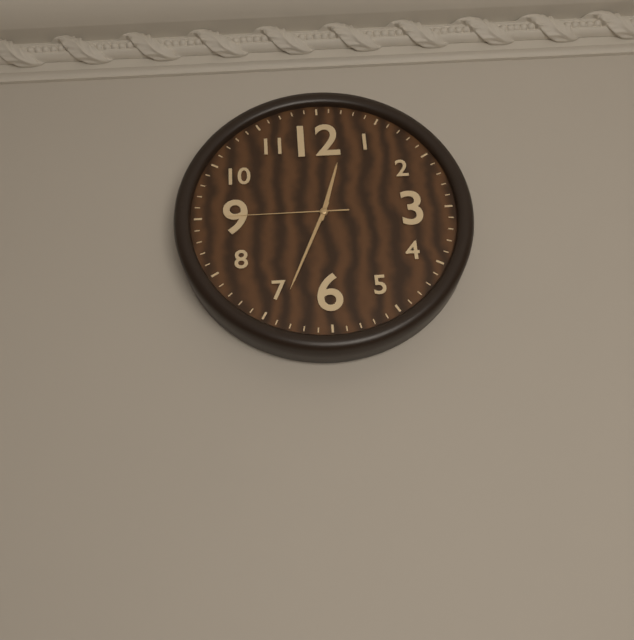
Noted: 12h34m45s
